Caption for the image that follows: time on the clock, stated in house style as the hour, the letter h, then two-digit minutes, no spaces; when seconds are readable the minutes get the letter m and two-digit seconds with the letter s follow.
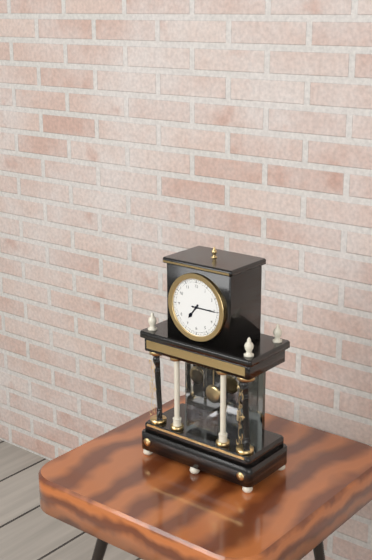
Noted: 7h15
